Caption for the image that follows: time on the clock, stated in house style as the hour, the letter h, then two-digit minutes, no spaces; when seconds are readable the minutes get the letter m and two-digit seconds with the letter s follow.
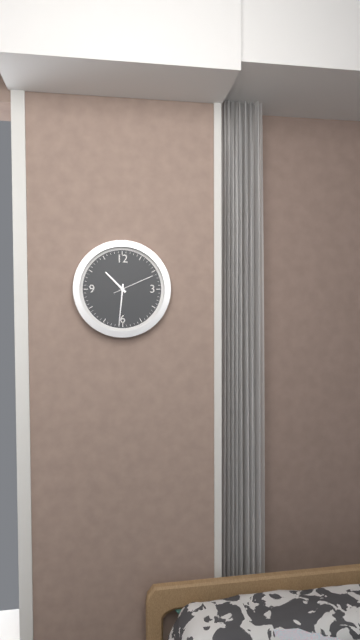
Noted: 10h31
